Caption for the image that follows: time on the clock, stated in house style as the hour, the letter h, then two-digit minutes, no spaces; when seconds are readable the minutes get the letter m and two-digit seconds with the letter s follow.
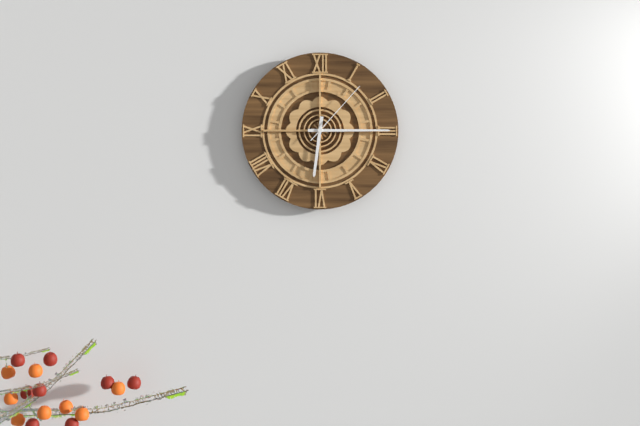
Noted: 6h15m07s
